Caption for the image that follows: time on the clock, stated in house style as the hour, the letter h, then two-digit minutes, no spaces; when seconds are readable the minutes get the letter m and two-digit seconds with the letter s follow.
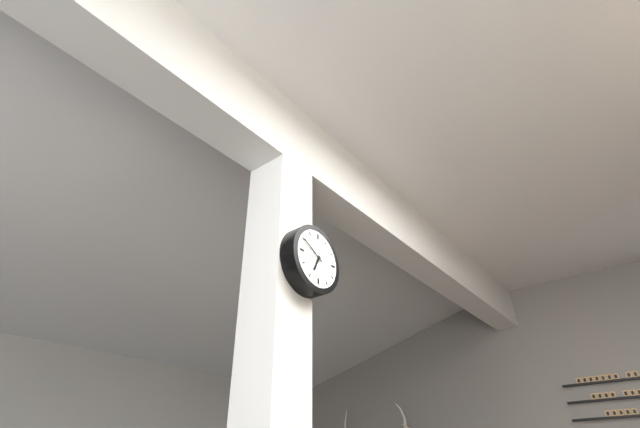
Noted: 6h50
